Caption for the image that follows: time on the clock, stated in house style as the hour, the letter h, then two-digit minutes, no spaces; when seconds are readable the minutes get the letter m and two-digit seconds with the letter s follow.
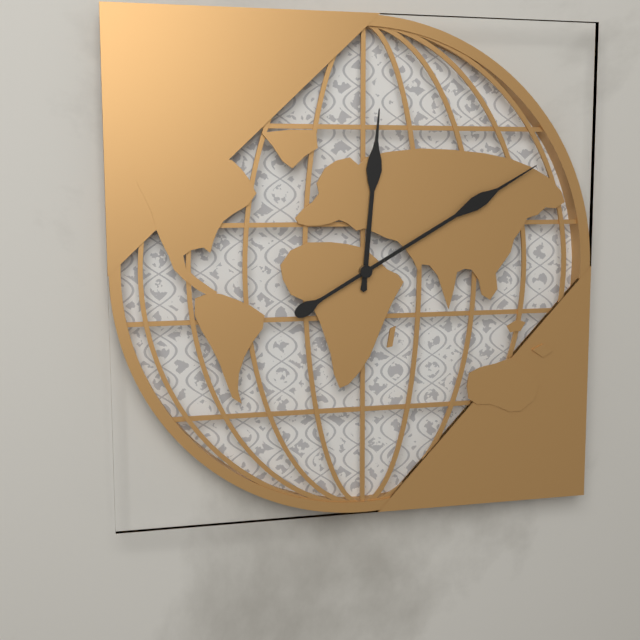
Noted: 12h10
